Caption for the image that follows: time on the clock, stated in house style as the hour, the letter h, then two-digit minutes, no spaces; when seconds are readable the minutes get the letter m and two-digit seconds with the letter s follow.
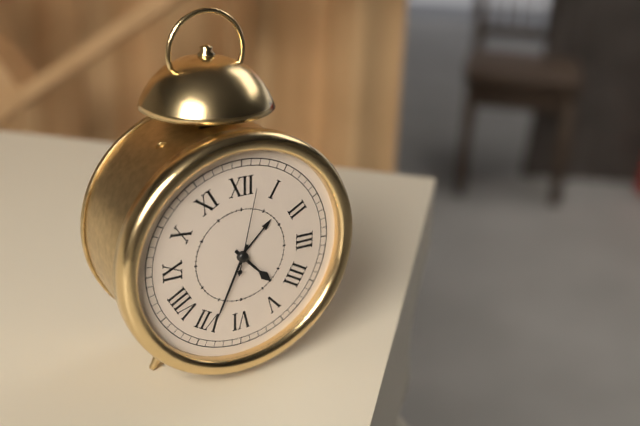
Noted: 4h34m02s
